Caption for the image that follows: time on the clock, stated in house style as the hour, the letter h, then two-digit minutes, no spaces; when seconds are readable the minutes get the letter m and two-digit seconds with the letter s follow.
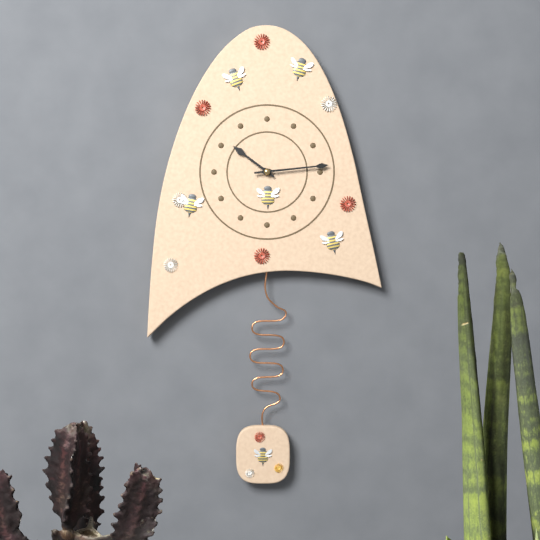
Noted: 10h14
